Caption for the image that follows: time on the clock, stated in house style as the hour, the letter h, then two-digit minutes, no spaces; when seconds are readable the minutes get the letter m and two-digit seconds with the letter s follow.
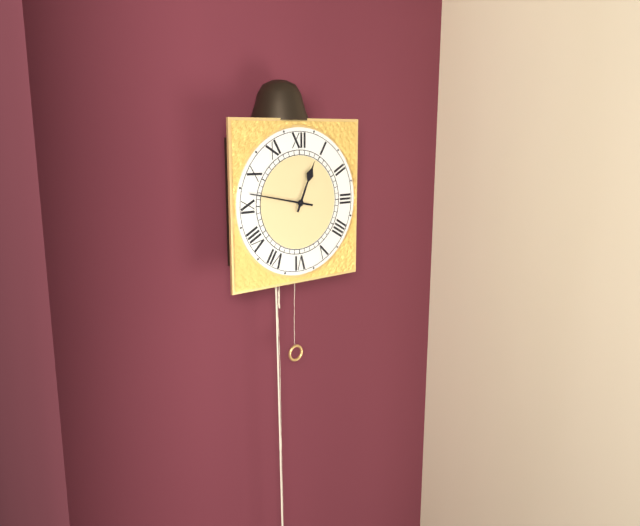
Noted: 12h47
